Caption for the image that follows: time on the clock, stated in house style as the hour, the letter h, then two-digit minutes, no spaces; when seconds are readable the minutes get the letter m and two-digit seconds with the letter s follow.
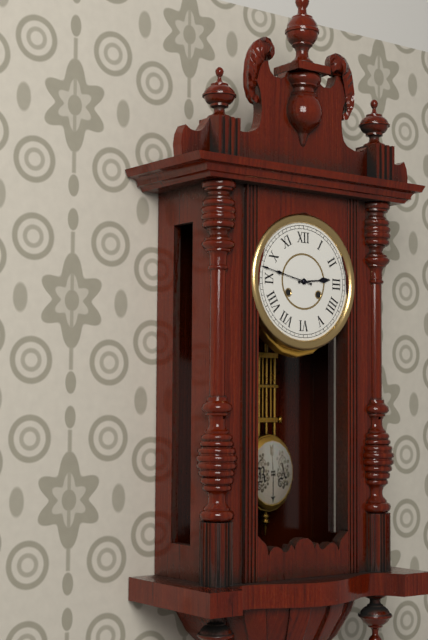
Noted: 2h47
